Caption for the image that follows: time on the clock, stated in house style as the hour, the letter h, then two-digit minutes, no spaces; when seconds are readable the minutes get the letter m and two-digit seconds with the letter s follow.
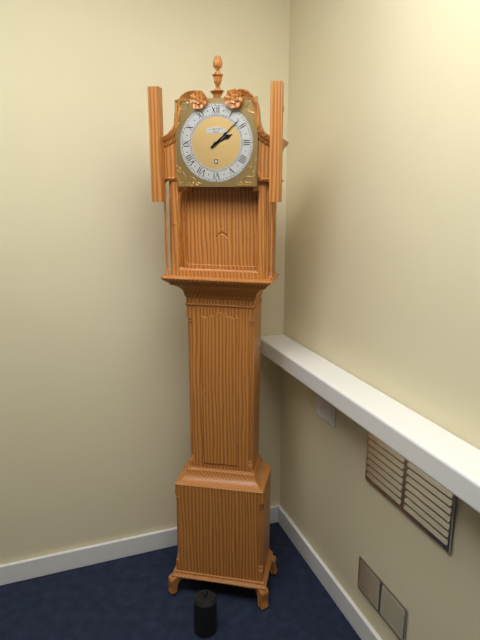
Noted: 2h08
